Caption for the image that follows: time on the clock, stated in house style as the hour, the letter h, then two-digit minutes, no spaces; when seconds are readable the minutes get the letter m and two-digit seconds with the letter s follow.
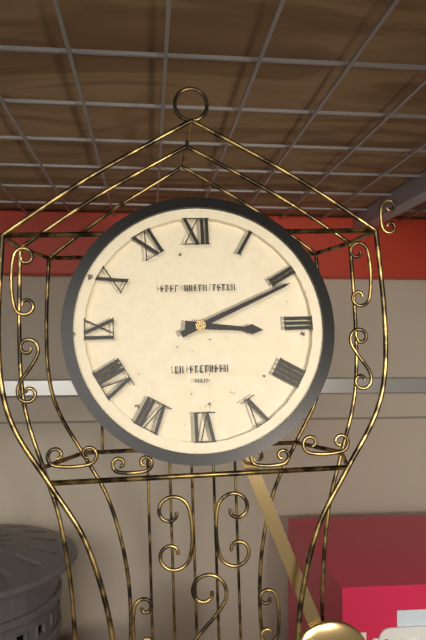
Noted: 3h11
